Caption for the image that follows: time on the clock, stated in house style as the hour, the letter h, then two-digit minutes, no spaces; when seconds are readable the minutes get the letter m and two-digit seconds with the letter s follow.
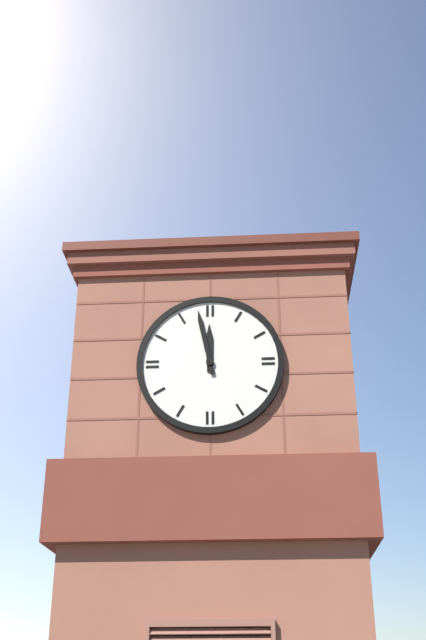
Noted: 11h58
